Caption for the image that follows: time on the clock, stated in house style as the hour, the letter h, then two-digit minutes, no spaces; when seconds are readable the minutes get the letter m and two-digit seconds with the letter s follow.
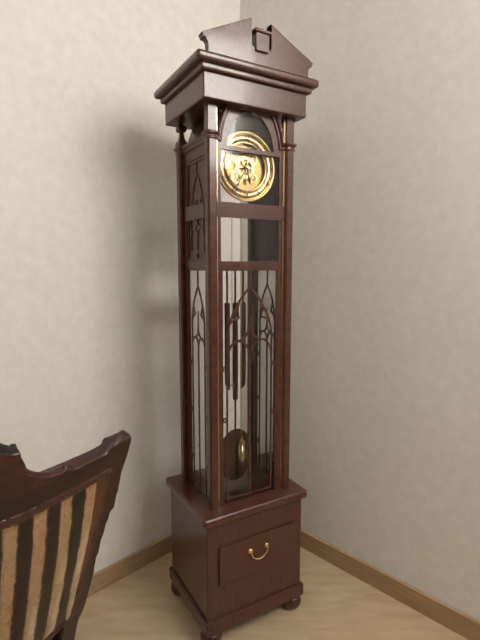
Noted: 5h35
